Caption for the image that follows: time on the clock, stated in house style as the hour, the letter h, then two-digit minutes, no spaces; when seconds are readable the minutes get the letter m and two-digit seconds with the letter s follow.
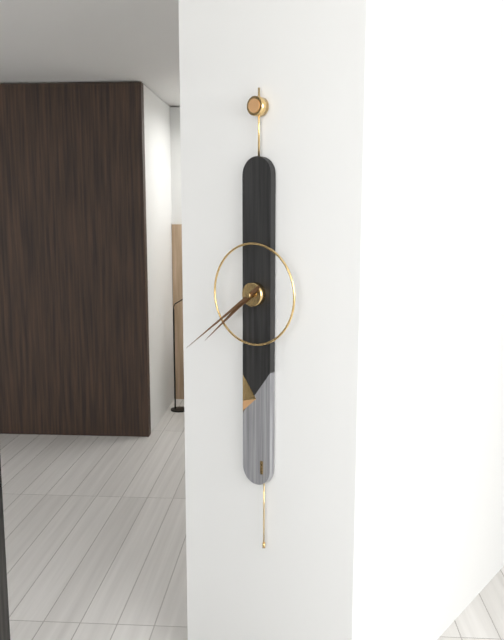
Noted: 7h39
